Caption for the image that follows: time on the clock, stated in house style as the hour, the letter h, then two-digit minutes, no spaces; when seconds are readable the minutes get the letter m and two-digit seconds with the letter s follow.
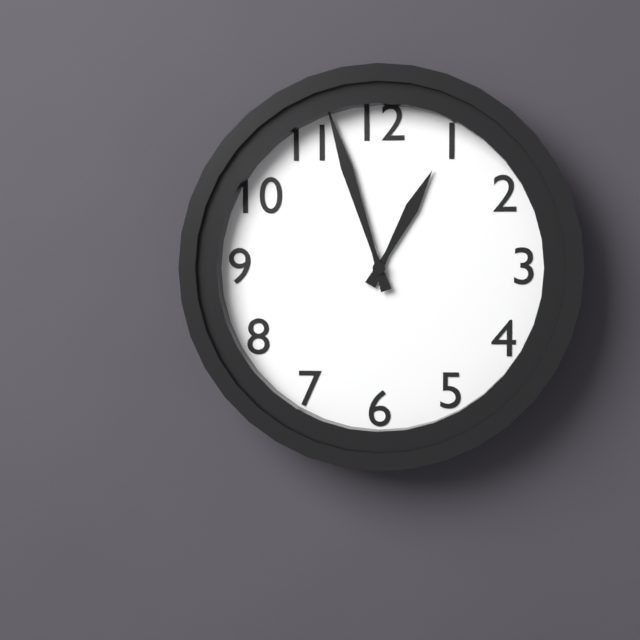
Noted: 12h57
